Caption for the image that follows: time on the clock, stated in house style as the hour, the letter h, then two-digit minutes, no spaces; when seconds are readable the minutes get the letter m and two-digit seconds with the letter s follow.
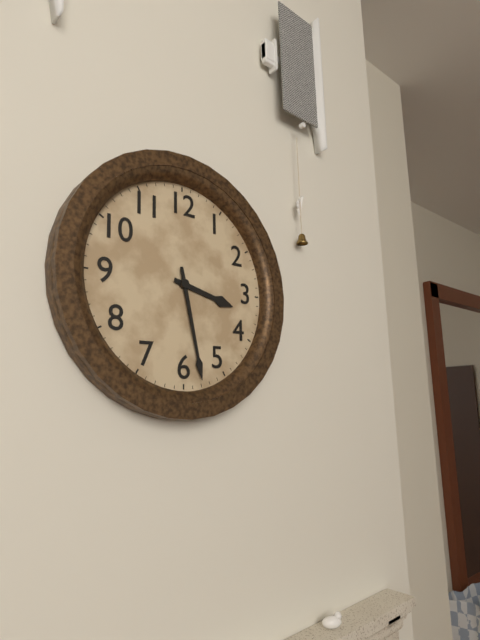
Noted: 3h28
